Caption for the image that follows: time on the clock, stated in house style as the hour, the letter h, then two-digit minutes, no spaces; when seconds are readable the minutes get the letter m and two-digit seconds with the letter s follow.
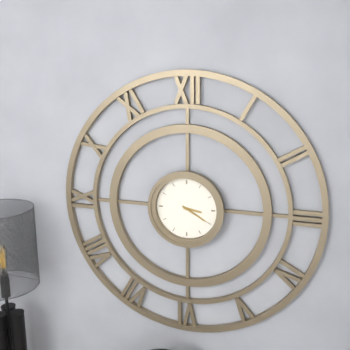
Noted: 3h20
